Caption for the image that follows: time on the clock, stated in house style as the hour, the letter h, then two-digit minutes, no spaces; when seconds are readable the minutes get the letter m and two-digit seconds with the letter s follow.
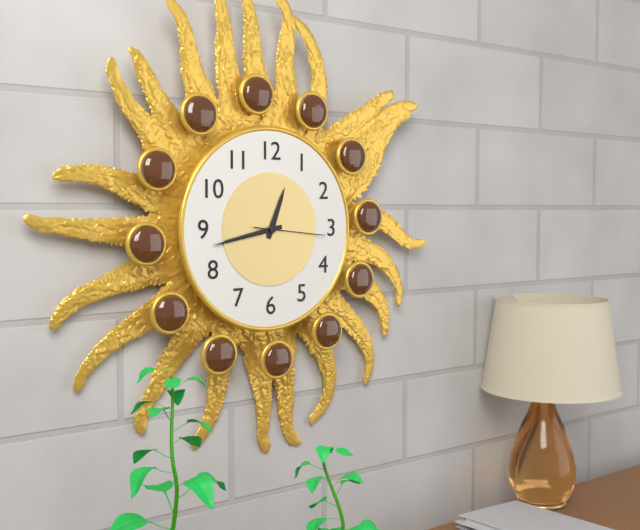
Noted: 12h43m16s
